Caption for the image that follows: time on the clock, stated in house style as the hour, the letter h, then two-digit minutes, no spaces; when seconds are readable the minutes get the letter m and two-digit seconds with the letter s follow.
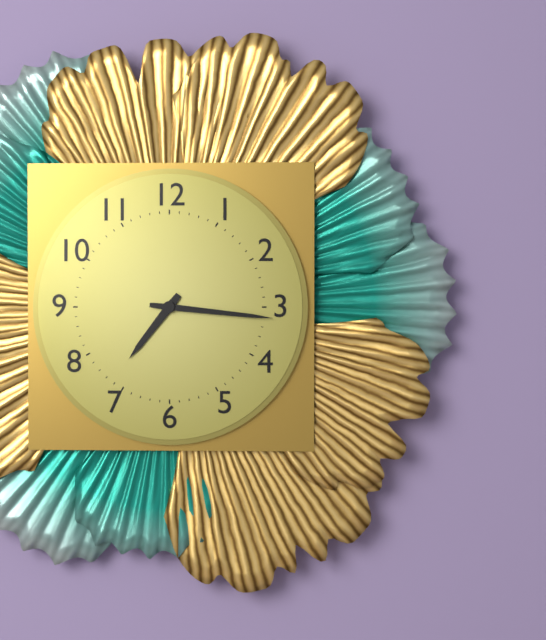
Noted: 7h16
